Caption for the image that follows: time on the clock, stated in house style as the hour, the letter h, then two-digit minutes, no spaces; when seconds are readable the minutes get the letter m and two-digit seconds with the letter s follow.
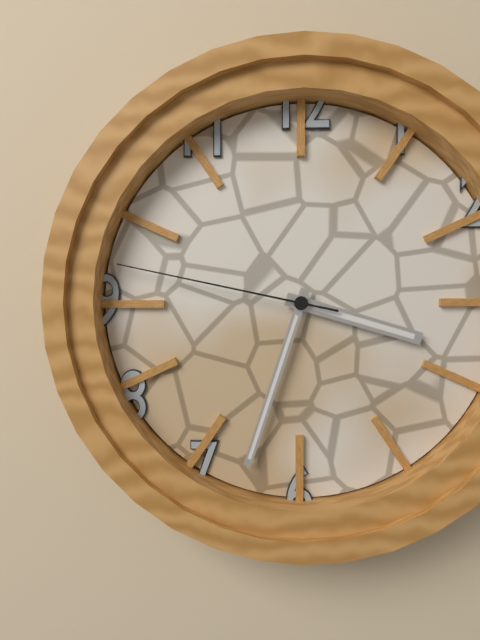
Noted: 3h33m47s
